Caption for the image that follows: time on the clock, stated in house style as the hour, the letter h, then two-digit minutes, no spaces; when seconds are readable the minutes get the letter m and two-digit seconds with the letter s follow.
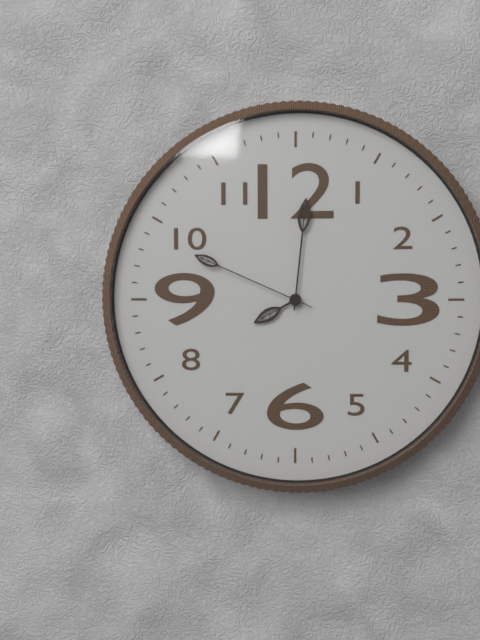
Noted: 8h01m49s
